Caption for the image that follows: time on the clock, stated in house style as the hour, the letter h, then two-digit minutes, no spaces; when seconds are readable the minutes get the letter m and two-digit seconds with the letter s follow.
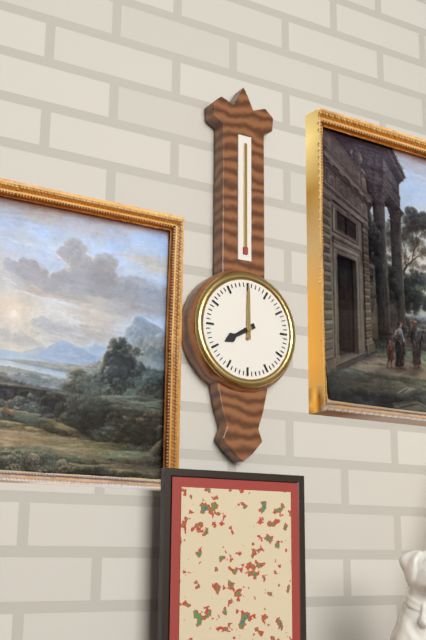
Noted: 8h00
